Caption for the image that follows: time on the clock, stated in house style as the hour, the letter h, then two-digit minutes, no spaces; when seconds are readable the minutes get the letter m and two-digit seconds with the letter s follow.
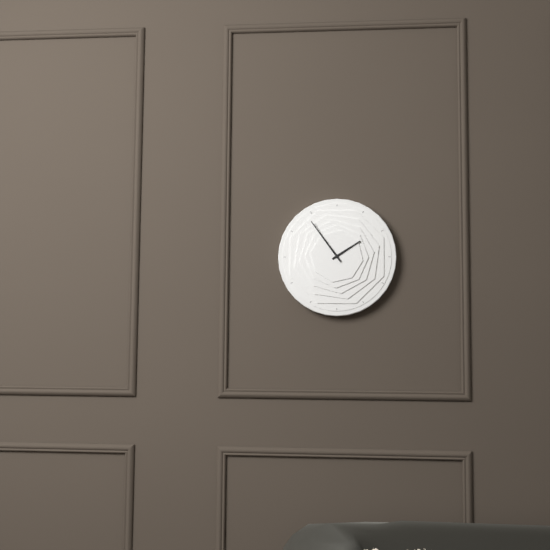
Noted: 1h54
